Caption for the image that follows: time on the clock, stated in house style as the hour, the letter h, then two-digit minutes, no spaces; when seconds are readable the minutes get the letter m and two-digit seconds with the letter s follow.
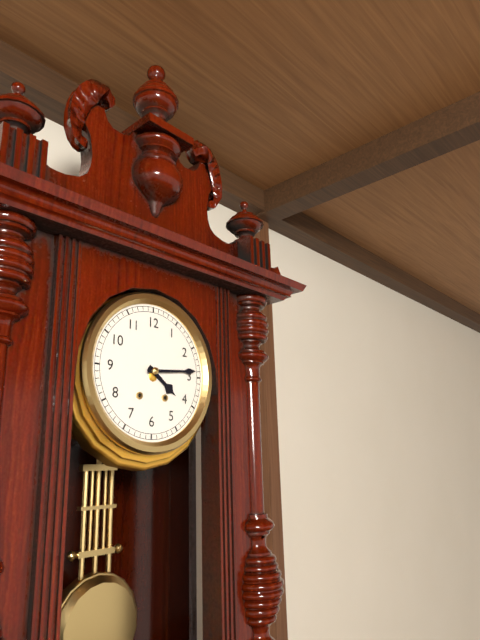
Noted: 4h14
